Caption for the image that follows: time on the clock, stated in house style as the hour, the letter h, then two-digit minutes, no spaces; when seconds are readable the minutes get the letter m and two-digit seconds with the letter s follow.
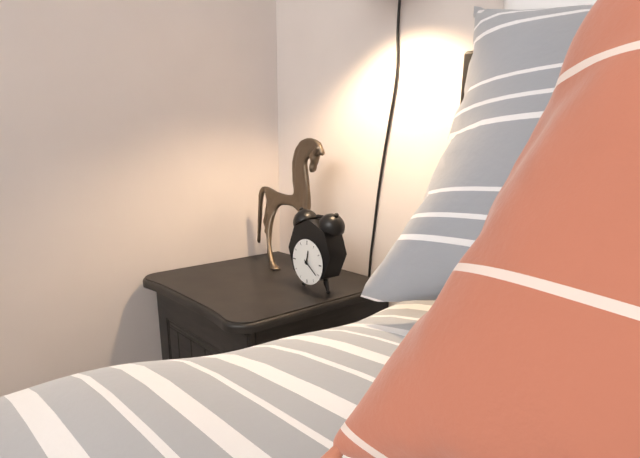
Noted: 12h21
